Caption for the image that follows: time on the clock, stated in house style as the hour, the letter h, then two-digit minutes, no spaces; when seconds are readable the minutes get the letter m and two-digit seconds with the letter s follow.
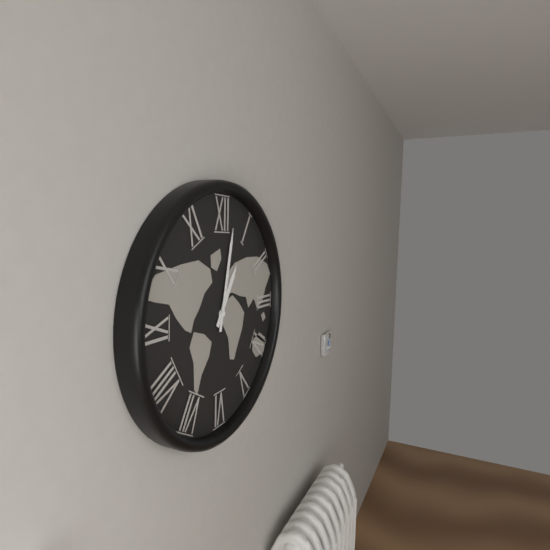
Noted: 1h02
